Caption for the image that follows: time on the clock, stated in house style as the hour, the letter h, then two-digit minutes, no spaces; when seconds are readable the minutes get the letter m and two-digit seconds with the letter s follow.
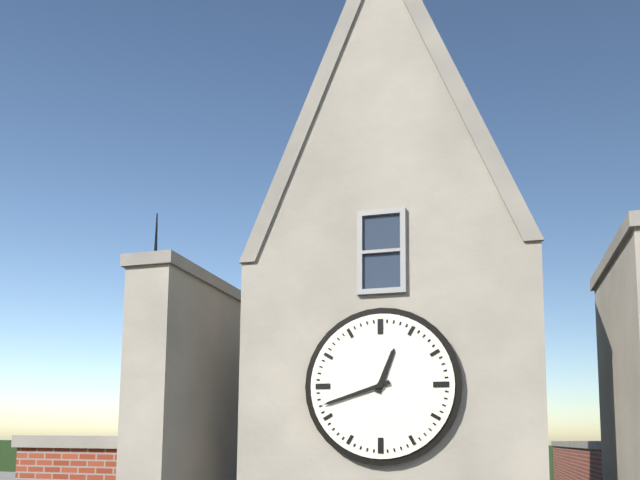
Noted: 12h42
